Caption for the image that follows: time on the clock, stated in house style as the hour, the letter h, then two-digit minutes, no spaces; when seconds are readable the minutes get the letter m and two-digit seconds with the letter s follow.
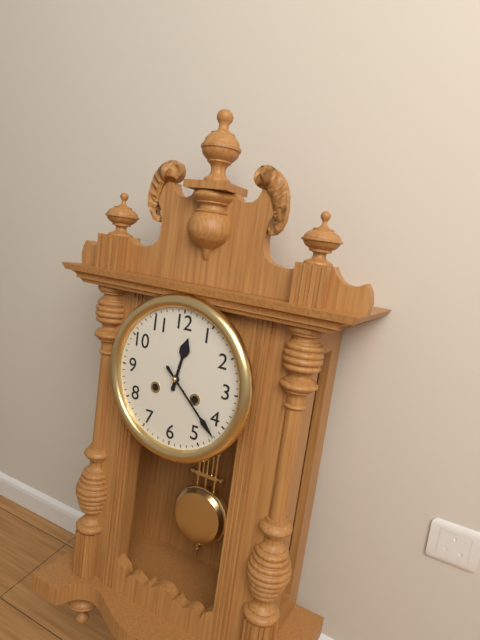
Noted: 12h22
